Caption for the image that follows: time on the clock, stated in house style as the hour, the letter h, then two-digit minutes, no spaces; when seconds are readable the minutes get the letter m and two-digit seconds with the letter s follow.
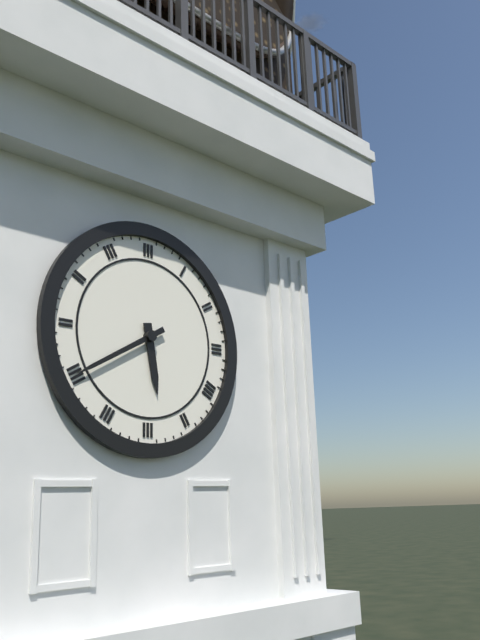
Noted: 5h40
